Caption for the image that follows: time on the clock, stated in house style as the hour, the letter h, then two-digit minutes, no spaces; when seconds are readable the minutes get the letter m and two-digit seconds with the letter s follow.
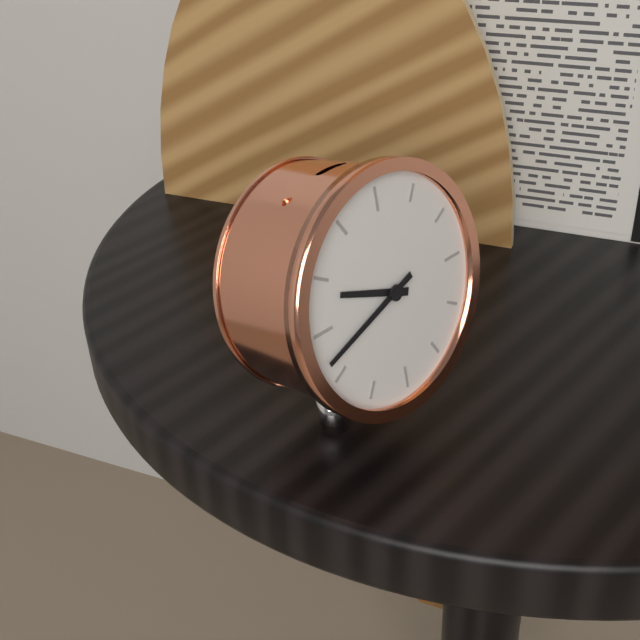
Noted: 9h42
